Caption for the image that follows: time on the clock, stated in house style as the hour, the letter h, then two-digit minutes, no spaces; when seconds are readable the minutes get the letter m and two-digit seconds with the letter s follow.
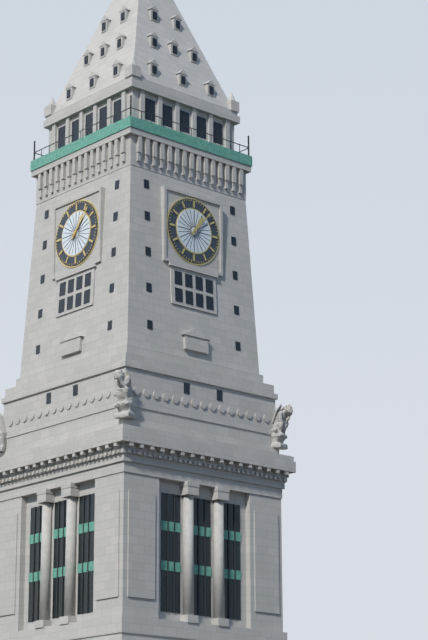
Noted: 1h07
